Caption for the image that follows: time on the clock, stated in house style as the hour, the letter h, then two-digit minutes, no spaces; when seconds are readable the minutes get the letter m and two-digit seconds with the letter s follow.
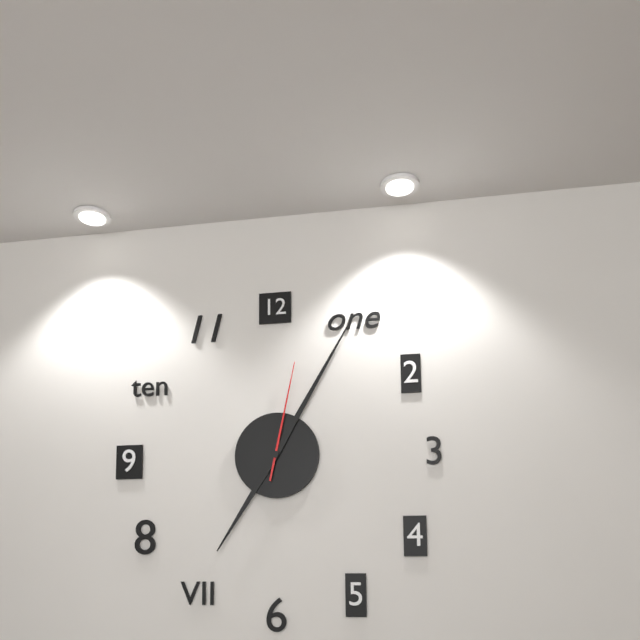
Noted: 7h05m02s
